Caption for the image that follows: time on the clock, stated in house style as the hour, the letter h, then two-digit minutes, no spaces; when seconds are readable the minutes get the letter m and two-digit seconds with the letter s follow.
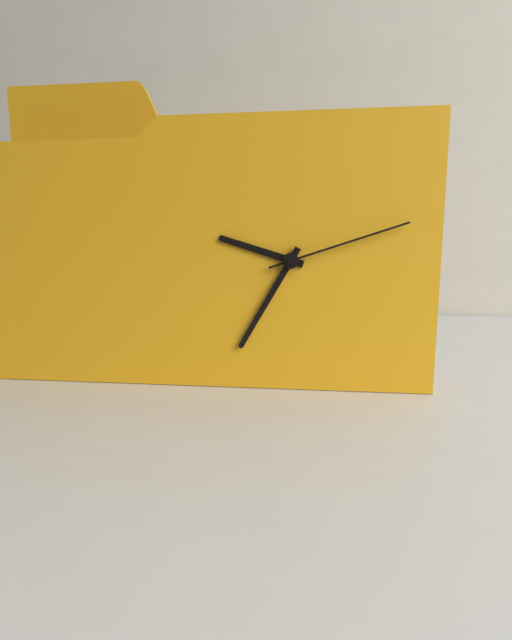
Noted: 9h35m12s
